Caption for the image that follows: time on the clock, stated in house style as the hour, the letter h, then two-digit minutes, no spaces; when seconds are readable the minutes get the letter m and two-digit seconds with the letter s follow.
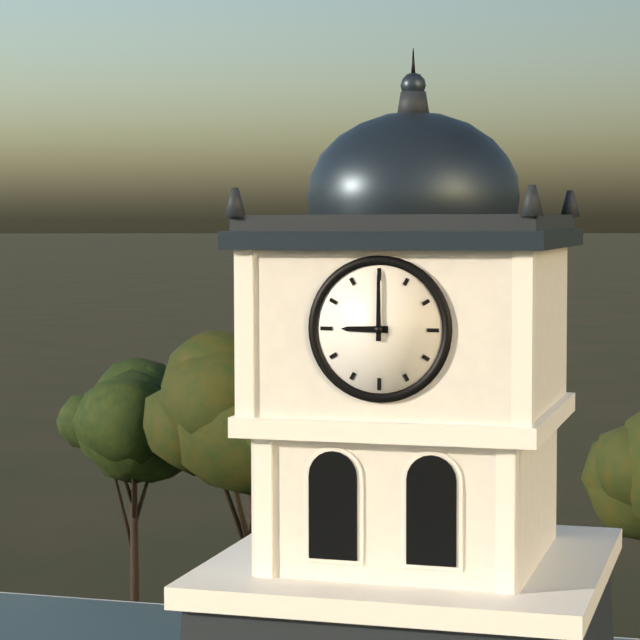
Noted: 9h00
